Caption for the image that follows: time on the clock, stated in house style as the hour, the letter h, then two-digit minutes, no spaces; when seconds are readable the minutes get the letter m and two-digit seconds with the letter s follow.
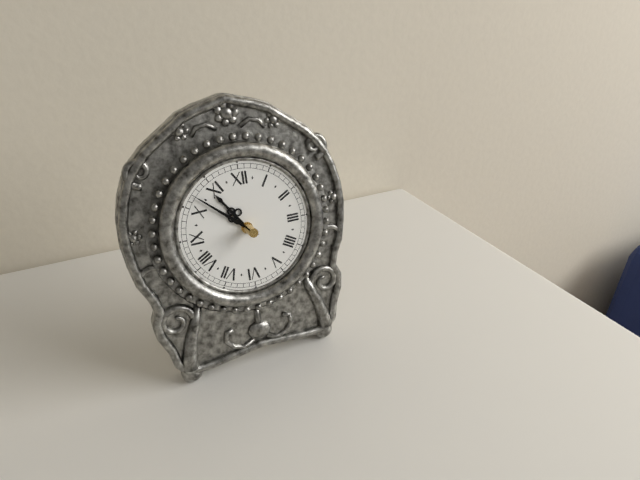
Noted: 10h52
